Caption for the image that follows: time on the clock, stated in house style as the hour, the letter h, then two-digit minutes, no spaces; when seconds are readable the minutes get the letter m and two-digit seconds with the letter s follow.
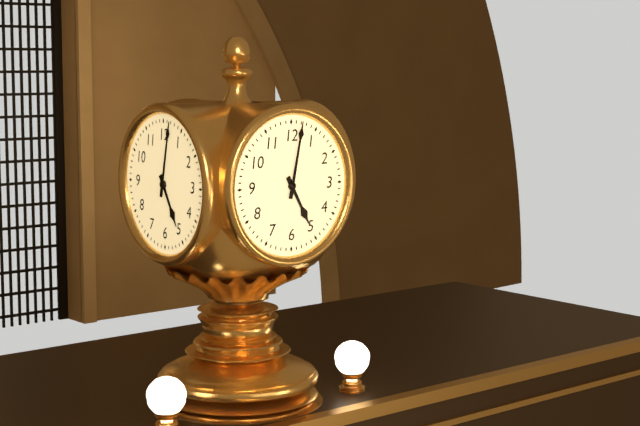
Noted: 5h02
